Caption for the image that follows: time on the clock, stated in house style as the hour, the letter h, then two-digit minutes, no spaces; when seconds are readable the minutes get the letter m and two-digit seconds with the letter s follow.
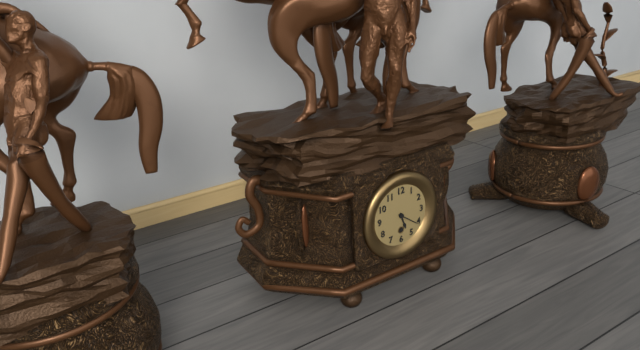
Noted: 5h21
